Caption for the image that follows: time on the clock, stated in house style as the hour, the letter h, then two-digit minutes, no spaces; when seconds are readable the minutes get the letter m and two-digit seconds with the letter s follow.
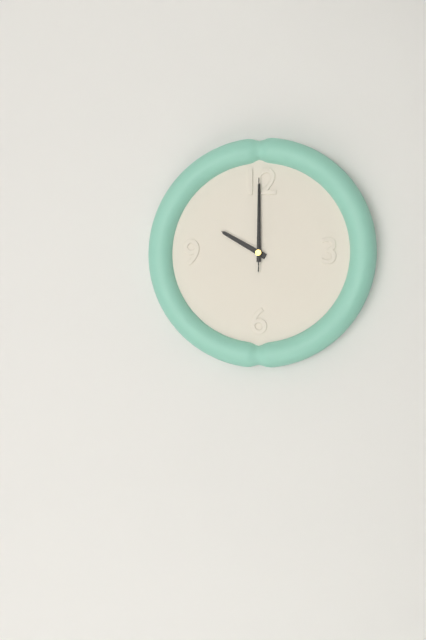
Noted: 10h00m00s
